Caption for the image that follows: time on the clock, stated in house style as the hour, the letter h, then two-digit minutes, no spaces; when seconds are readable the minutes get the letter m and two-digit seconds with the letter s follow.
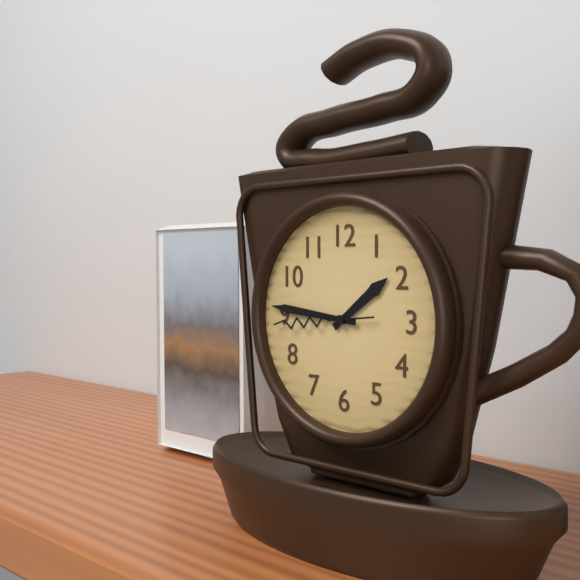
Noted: 1h46m44s
